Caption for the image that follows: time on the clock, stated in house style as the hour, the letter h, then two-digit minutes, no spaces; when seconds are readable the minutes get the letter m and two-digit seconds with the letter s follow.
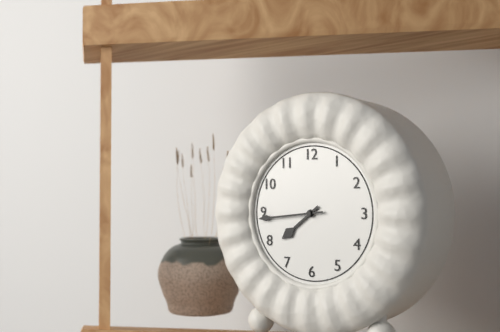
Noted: 7h44
